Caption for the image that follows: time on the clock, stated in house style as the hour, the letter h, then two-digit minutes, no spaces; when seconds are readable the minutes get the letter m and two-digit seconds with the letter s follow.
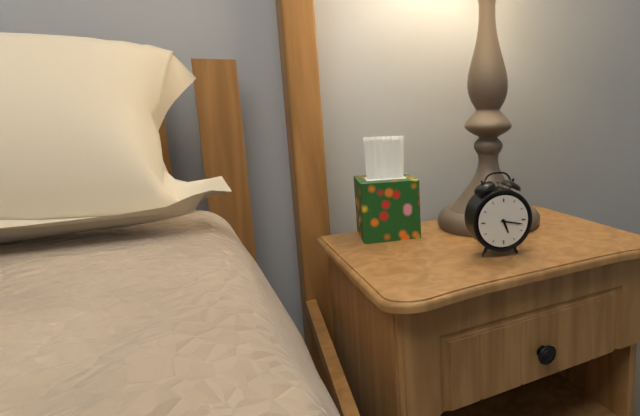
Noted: 5h17
